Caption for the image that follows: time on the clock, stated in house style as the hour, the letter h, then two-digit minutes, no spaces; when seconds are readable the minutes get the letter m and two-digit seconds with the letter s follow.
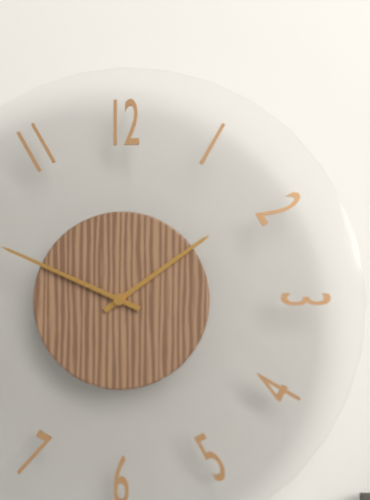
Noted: 1h49
